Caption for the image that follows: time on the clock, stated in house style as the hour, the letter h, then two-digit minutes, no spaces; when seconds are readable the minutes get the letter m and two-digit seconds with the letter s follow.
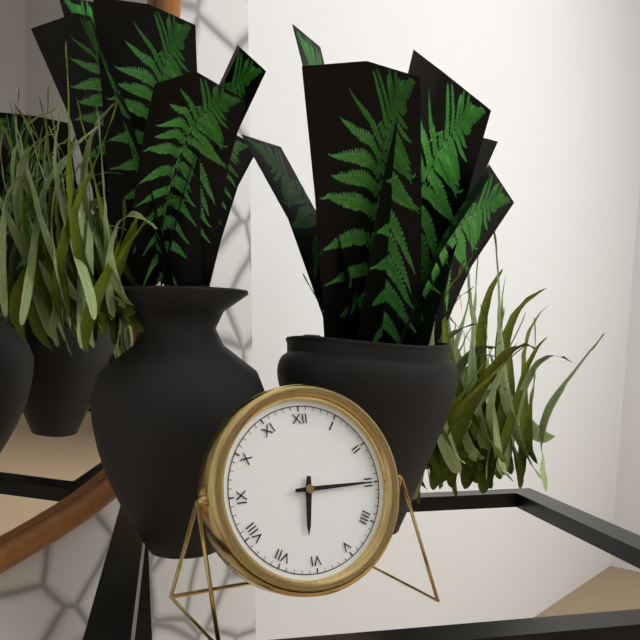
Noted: 6h15
